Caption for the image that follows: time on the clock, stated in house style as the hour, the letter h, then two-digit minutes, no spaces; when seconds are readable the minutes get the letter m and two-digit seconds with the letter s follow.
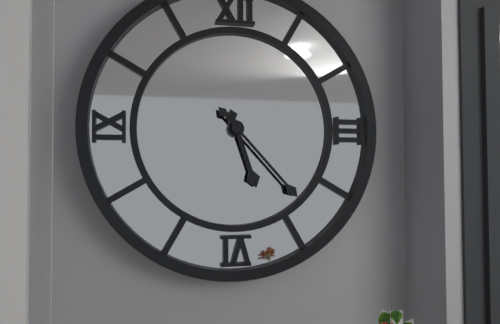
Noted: 5h23
